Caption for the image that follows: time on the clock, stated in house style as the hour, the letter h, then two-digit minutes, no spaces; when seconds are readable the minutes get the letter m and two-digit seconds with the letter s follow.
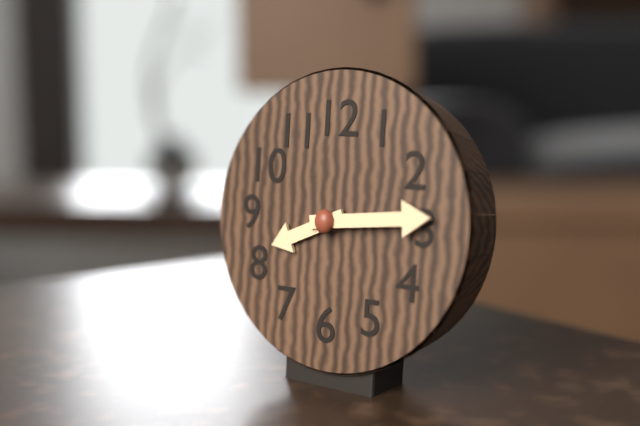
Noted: 8h14
